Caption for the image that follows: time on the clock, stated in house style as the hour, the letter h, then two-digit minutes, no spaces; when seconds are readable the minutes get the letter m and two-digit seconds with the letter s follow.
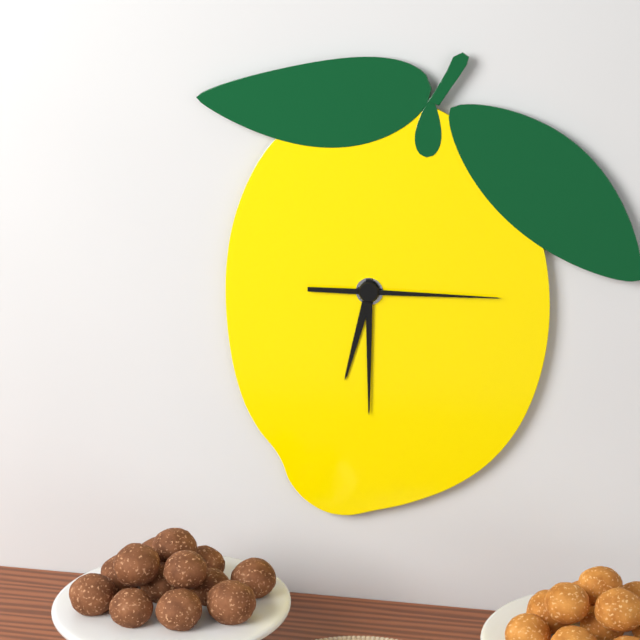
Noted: 6h30m15s
